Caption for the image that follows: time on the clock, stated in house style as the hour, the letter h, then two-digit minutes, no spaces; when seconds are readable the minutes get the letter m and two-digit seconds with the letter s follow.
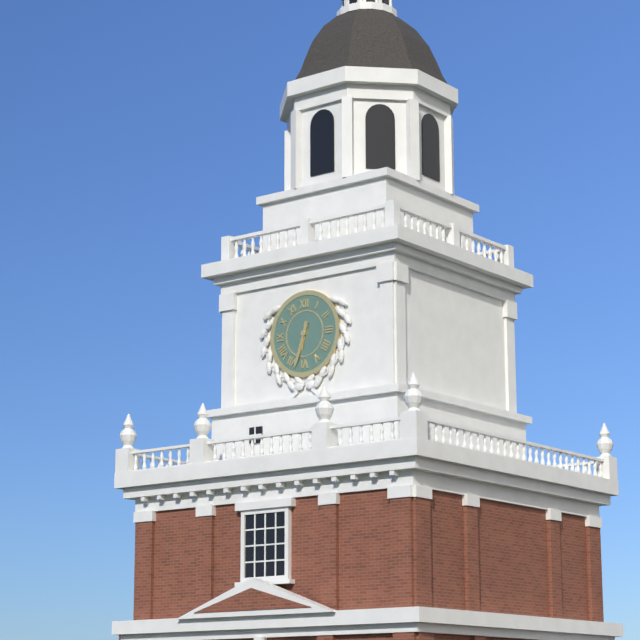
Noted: 6h33
